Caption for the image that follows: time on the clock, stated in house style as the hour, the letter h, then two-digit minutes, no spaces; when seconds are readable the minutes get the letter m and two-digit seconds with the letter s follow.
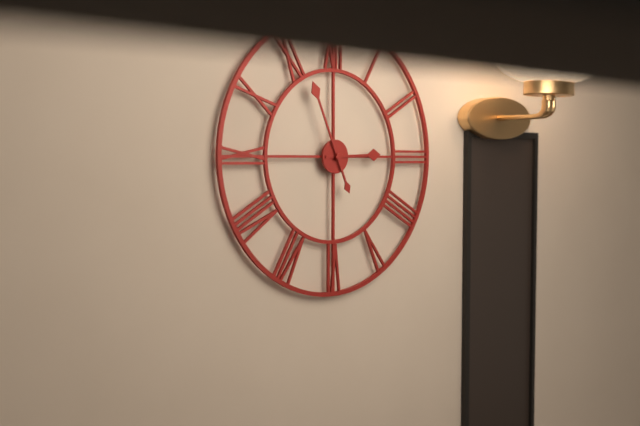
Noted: 2h56
